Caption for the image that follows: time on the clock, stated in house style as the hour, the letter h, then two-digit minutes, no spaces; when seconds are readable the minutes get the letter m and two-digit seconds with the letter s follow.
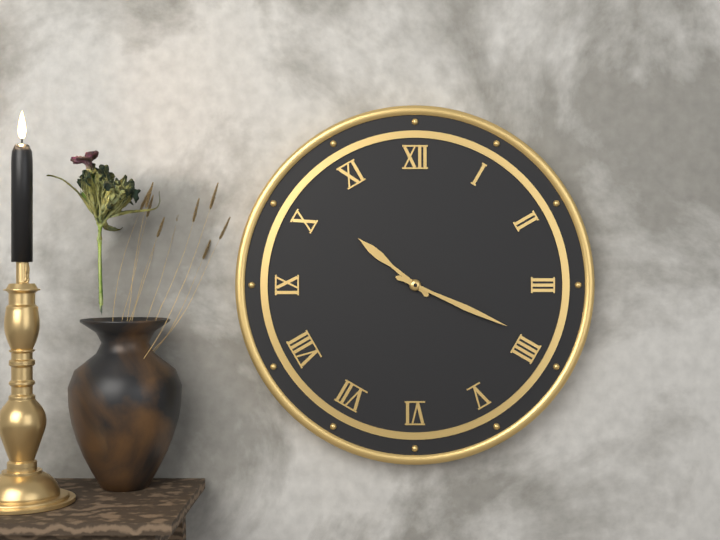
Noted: 10h19
